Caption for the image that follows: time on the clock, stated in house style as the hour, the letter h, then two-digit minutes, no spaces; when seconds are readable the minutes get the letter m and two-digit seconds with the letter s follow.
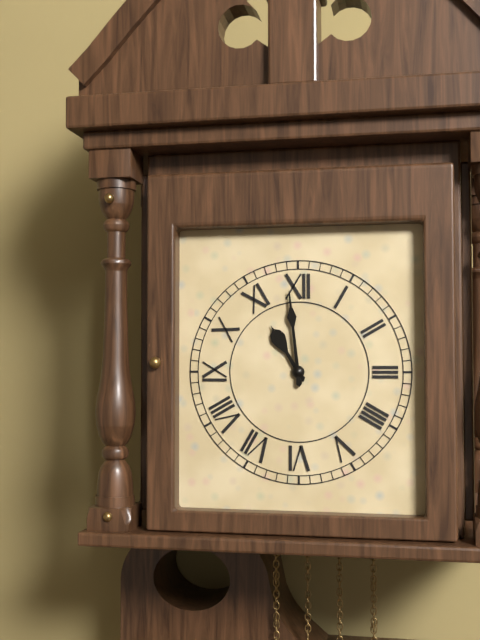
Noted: 10h59
